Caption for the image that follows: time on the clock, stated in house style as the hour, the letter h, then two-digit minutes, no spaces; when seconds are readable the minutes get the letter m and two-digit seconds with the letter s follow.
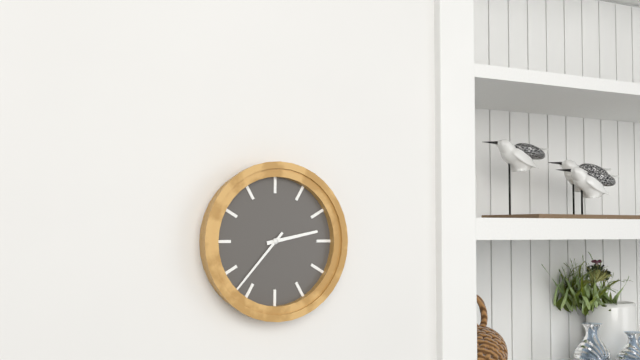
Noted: 2h37
